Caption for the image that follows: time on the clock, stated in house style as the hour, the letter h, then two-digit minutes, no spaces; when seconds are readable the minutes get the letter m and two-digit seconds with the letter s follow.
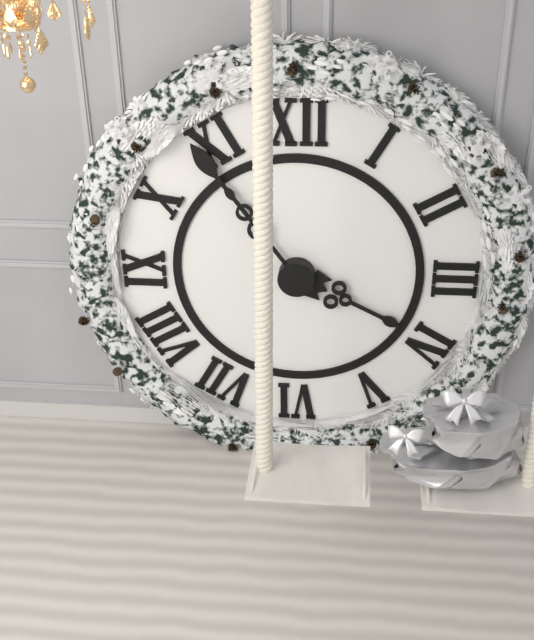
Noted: 3h54
